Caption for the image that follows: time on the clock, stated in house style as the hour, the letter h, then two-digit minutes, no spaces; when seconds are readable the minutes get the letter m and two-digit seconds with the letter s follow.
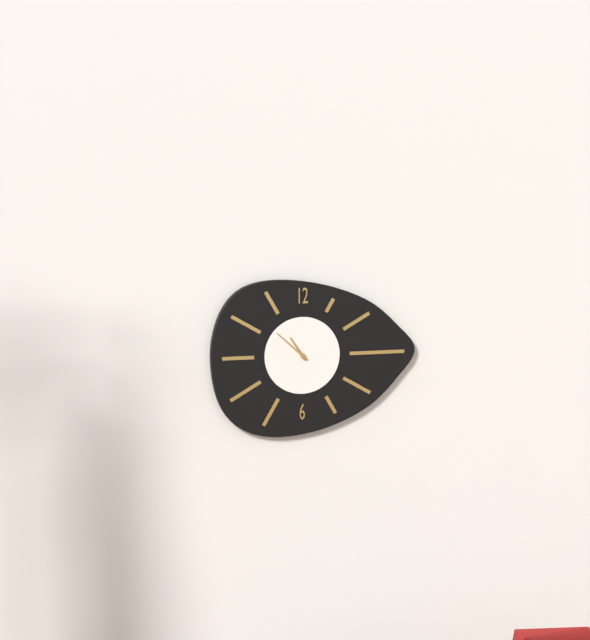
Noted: 10h52
